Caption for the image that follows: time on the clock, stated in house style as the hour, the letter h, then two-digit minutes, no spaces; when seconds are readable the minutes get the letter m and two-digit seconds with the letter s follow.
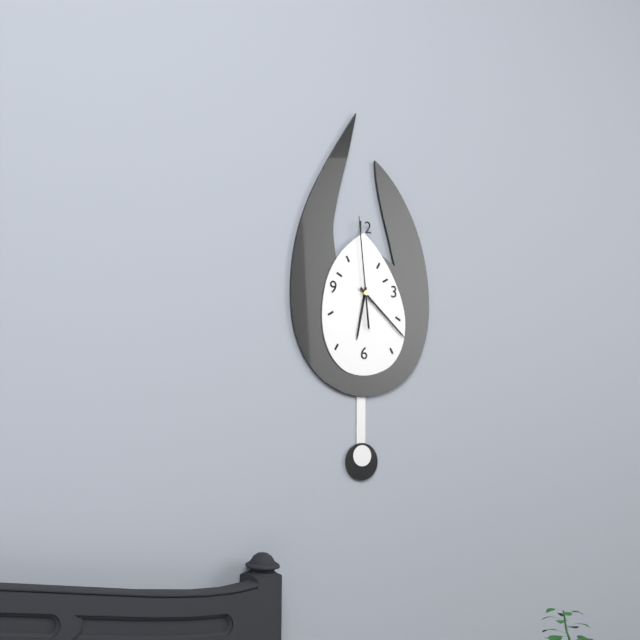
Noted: 6h22m59s
